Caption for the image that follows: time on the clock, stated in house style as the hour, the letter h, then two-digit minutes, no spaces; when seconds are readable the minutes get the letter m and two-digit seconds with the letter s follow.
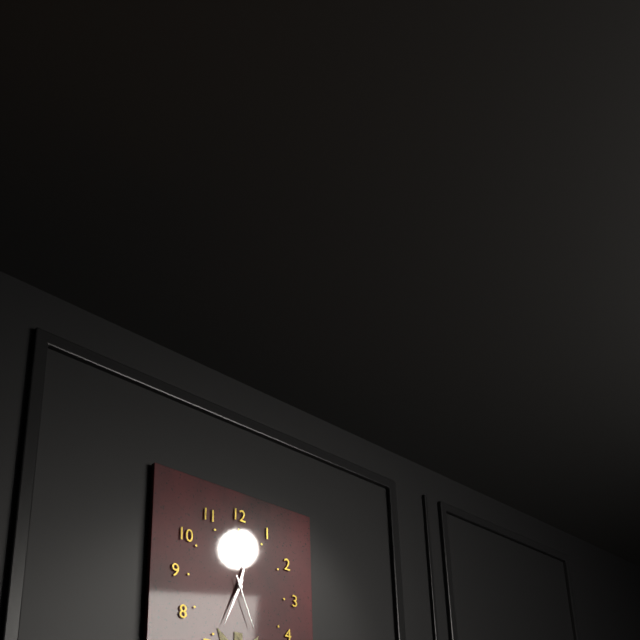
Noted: 12h34m26s
